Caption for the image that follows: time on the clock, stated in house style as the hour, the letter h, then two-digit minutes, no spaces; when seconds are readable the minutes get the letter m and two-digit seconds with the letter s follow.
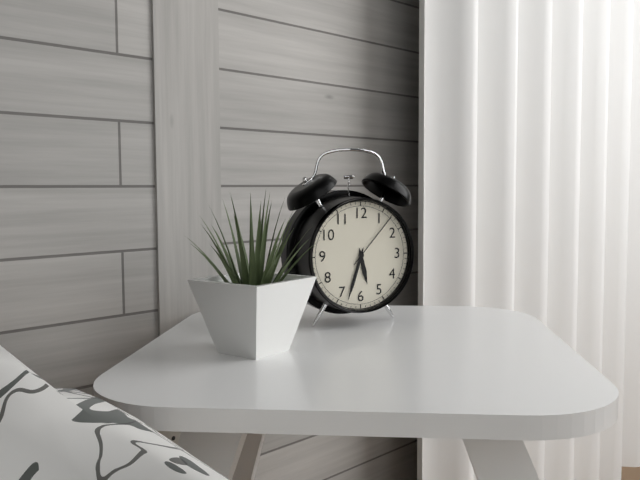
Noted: 5h33m07s
